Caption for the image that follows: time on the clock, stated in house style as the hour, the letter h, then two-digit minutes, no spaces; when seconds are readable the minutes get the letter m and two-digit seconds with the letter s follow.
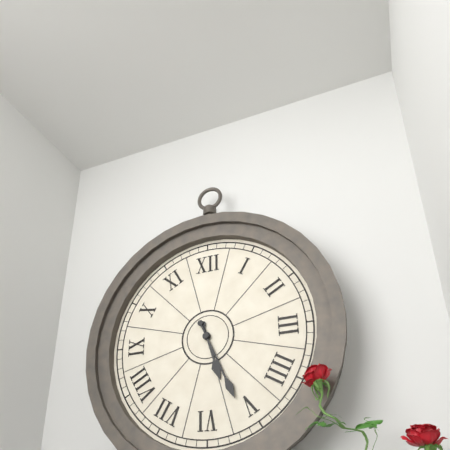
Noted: 5h26
